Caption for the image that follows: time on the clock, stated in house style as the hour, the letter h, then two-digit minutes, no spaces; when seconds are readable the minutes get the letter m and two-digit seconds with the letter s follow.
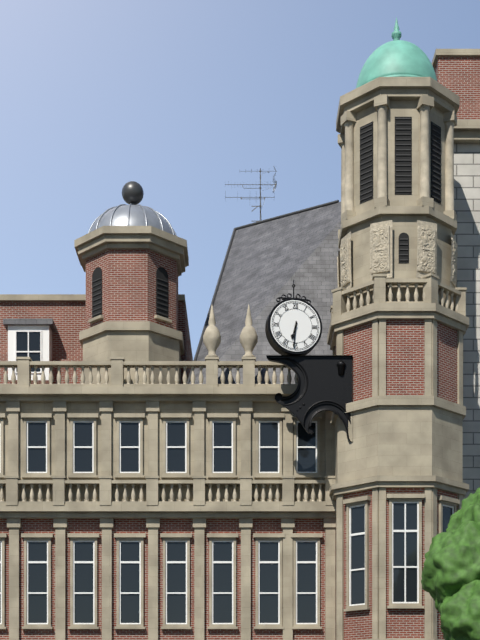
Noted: 6h31
